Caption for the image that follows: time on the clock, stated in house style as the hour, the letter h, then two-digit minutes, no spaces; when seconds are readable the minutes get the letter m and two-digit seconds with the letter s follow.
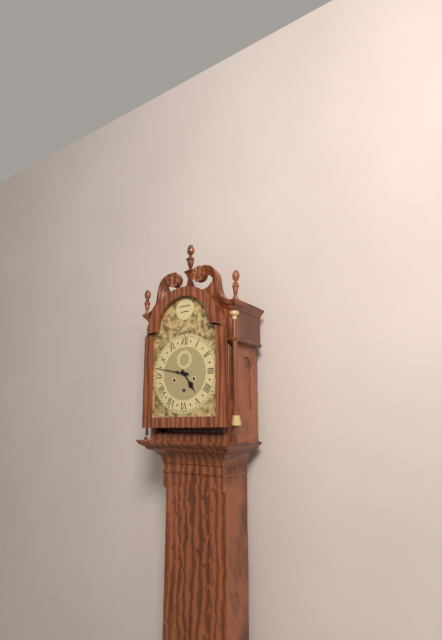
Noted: 4h47
